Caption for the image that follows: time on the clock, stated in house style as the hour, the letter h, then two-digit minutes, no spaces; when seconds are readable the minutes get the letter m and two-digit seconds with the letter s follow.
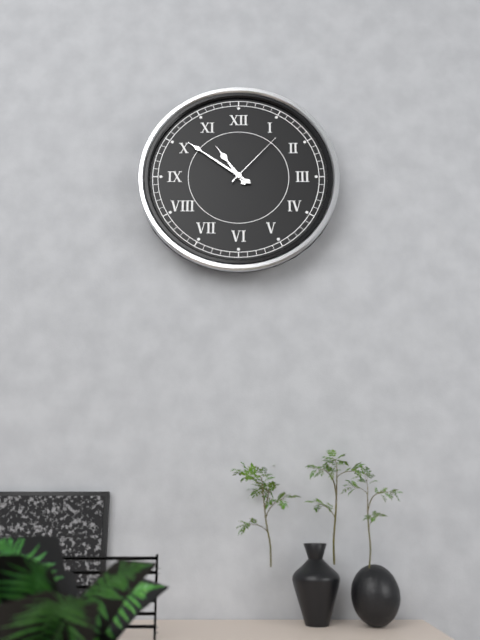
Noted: 10h51m07s
